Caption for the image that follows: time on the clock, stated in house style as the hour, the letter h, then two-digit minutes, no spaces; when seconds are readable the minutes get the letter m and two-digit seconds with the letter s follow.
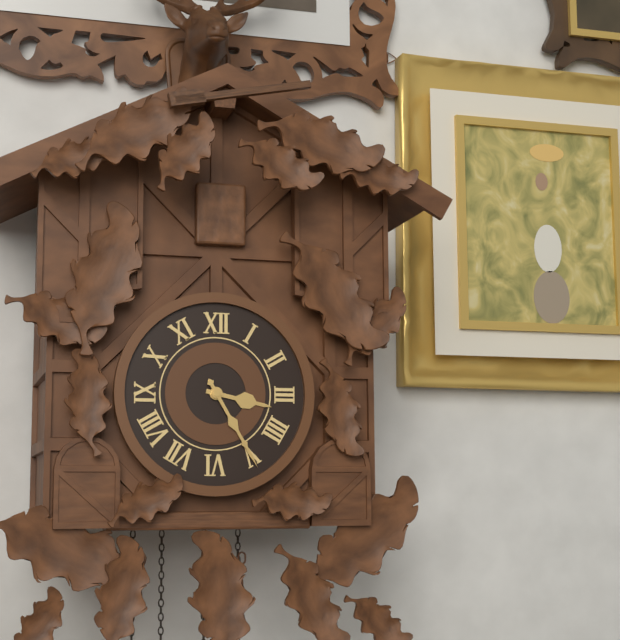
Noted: 3h25
